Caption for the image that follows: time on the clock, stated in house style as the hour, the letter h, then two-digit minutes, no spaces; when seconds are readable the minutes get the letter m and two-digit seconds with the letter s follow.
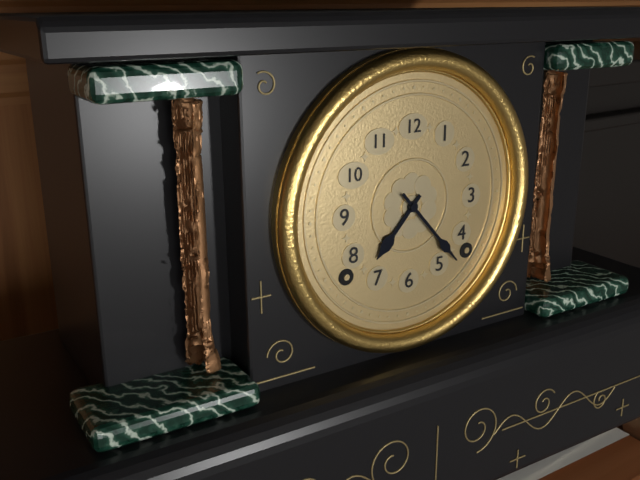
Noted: 7h23
